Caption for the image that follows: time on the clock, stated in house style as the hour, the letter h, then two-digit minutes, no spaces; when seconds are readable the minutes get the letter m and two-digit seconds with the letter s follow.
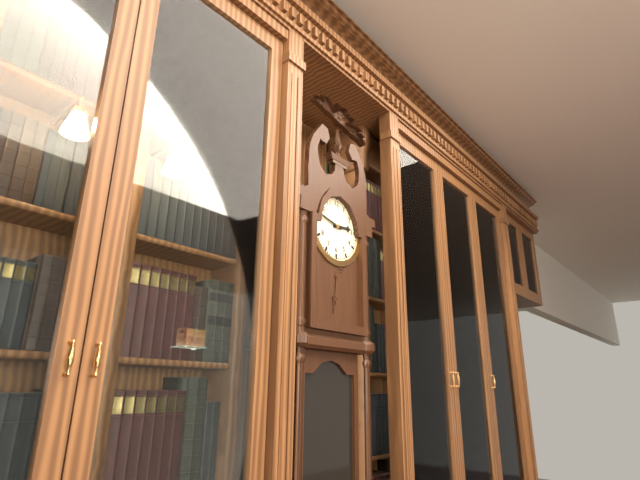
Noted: 2h47
